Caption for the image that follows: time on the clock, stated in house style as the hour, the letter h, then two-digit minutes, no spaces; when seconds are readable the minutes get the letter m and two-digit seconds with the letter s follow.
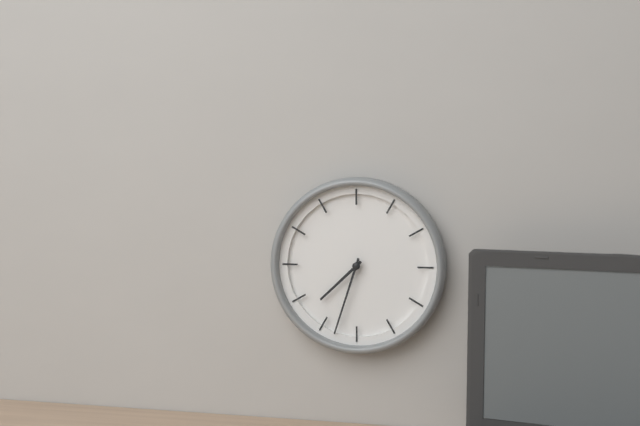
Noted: 7h33
